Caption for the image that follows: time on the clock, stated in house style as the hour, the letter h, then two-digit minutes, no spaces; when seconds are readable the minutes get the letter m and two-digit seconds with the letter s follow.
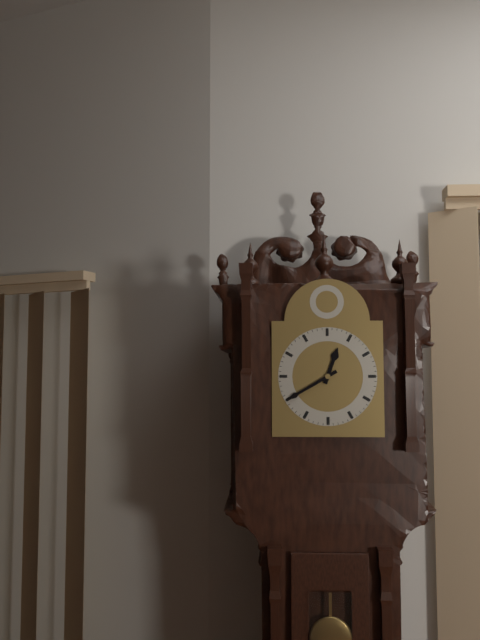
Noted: 12h40
